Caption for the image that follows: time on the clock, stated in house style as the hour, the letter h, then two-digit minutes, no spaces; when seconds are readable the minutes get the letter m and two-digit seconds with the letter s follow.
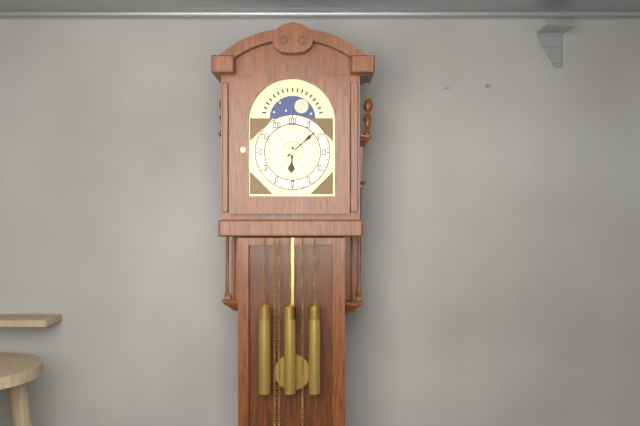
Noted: 6h08
